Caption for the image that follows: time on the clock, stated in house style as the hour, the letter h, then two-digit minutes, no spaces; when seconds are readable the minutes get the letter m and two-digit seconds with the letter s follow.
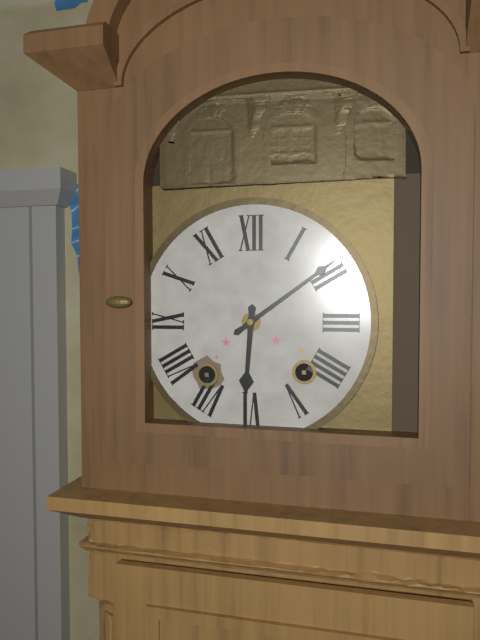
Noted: 6h09
